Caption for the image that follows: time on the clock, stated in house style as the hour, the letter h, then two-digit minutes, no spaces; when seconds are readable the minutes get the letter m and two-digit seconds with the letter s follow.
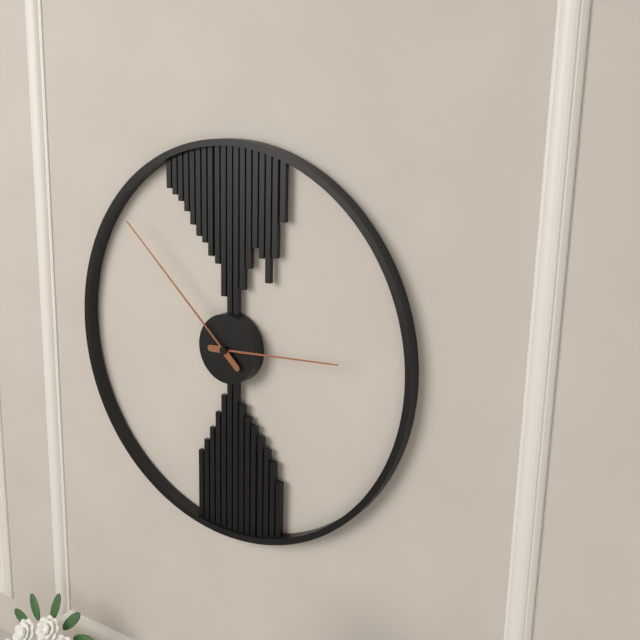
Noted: 2h52
